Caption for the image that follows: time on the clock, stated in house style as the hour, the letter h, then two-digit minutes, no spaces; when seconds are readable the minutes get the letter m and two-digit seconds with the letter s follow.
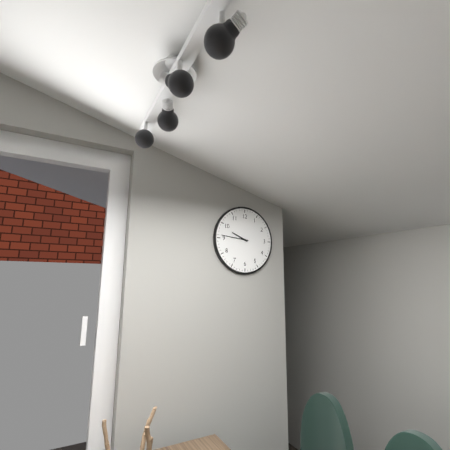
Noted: 9h46
